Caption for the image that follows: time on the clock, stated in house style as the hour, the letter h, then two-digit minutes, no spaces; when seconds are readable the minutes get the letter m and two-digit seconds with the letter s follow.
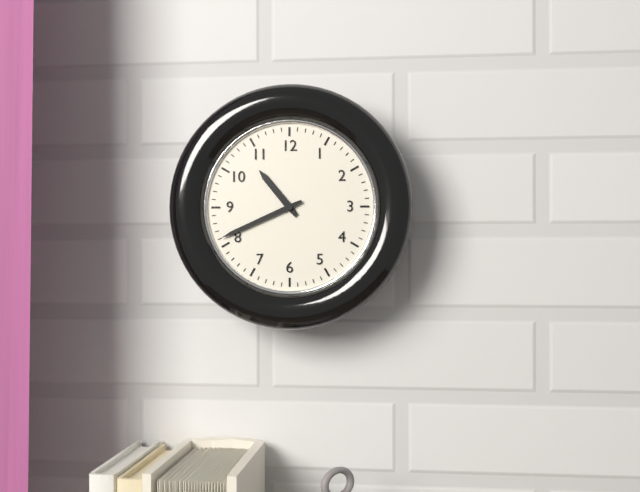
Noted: 10h41
